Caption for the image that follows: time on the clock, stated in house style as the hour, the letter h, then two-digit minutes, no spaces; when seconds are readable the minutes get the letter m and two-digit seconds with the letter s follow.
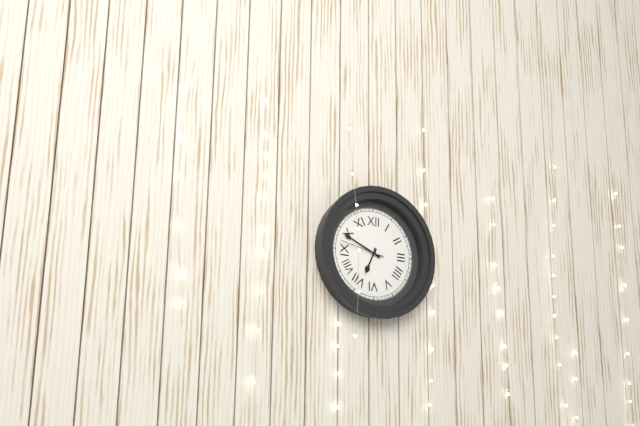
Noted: 6h49
